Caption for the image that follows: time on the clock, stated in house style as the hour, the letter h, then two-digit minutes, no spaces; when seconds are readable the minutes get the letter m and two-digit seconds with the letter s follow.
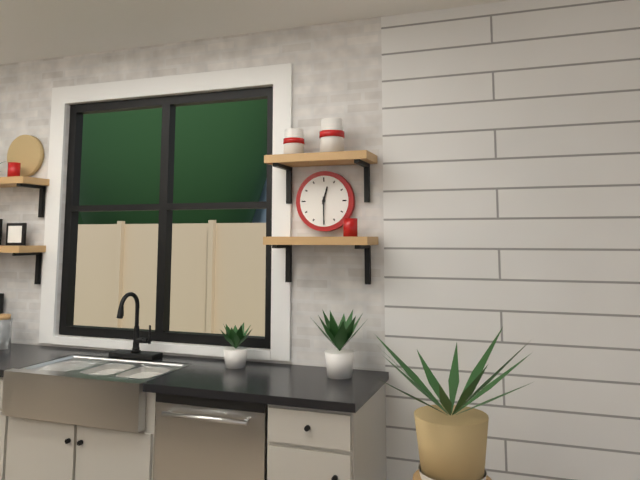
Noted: 12h30
